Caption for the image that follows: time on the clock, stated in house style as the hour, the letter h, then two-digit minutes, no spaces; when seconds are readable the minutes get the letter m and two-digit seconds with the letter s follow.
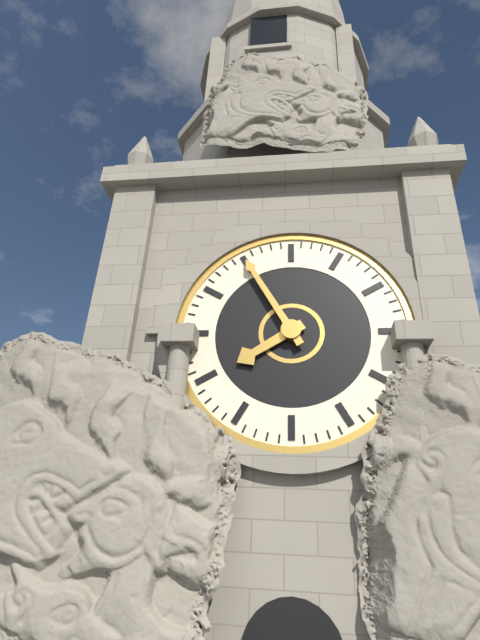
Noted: 7h55
